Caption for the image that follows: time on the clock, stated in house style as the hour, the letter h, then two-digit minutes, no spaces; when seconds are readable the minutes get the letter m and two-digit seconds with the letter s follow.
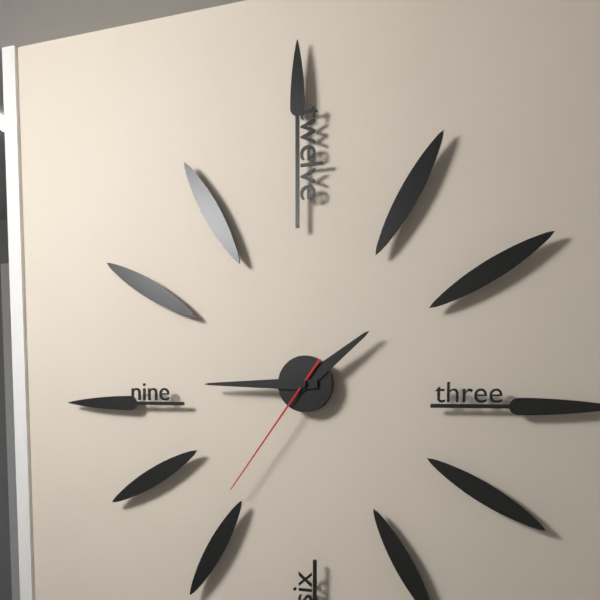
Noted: 1h45m36s
